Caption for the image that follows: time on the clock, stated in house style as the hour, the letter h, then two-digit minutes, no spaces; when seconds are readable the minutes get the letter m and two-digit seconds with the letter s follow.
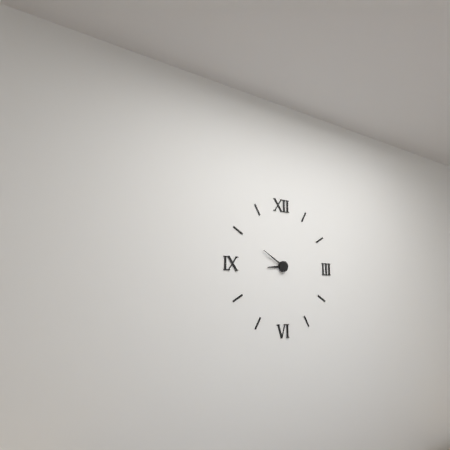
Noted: 8h50
